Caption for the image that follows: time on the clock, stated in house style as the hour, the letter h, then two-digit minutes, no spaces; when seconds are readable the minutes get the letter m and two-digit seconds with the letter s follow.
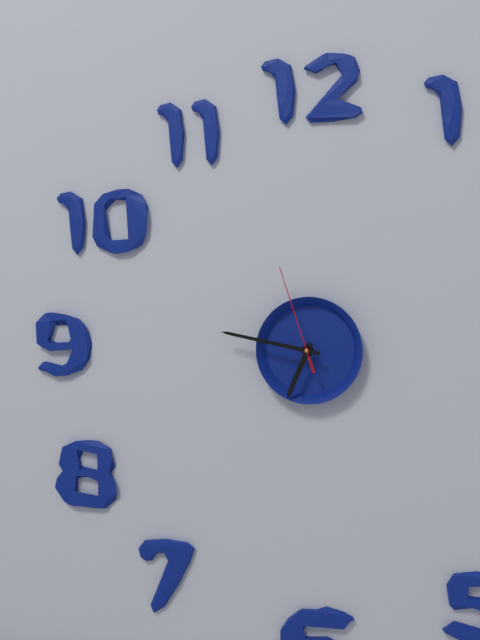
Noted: 6h47m57s
